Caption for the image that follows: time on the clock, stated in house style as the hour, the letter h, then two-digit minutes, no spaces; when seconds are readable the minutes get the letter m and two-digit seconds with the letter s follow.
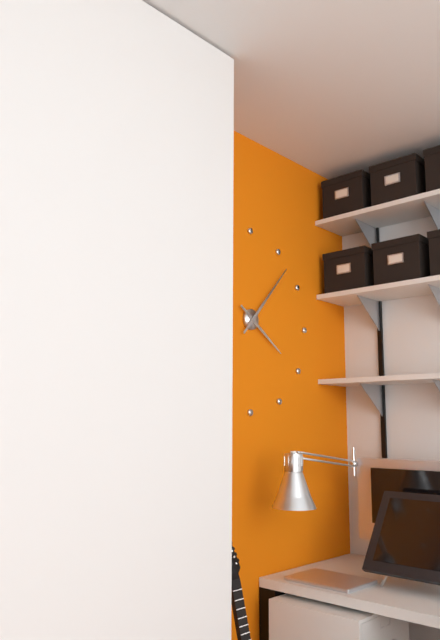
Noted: 4h07
